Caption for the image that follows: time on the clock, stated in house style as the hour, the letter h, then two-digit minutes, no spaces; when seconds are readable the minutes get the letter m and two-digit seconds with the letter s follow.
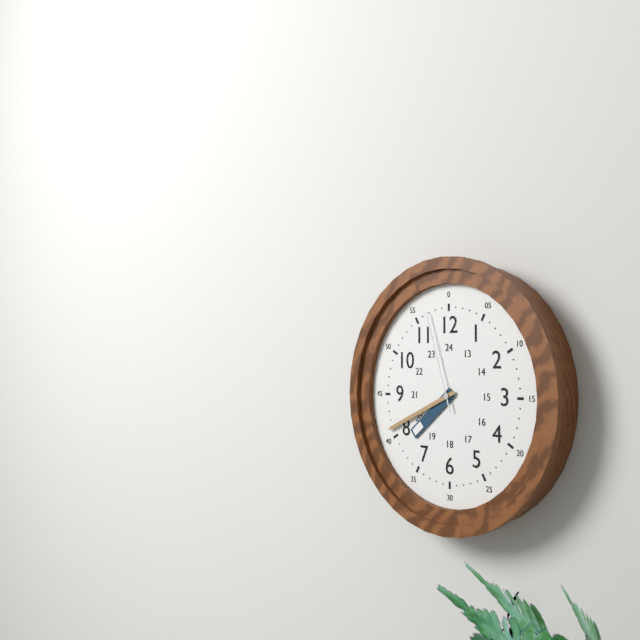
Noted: 7h41m57s
